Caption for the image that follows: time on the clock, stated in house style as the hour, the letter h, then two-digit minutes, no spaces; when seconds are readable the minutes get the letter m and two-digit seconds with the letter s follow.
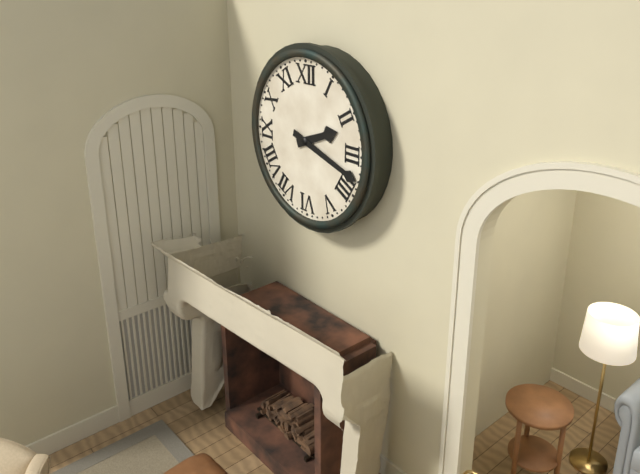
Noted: 2h18
